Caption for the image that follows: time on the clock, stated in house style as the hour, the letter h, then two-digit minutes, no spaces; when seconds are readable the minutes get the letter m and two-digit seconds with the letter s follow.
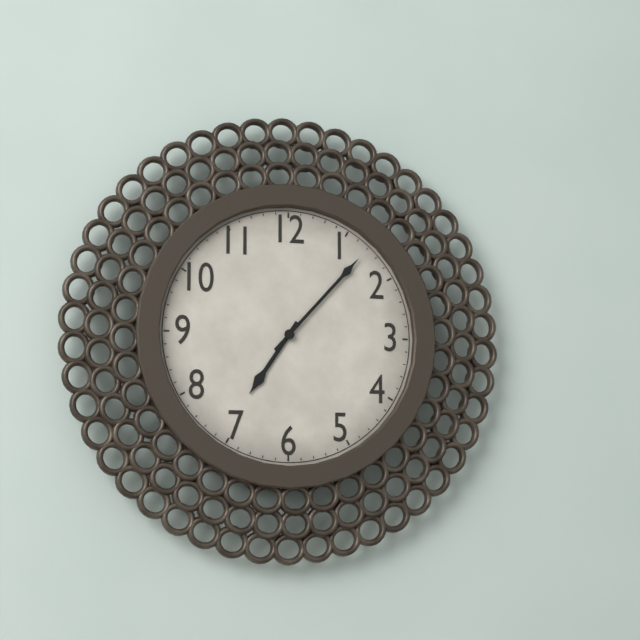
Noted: 7h07
